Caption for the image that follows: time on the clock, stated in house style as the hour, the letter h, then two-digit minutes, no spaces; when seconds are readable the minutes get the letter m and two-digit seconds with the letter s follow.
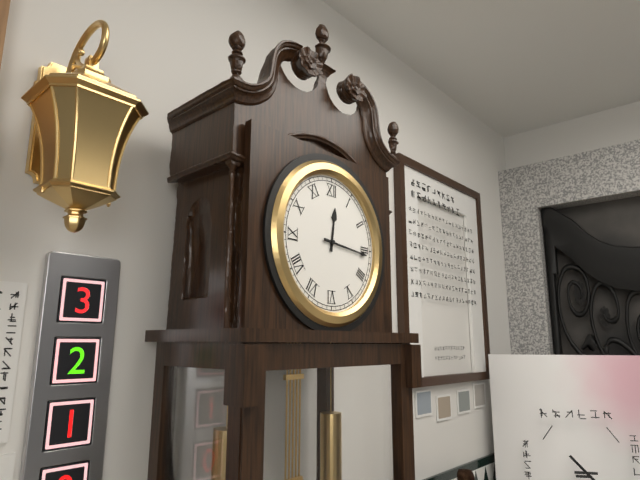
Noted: 12h16
